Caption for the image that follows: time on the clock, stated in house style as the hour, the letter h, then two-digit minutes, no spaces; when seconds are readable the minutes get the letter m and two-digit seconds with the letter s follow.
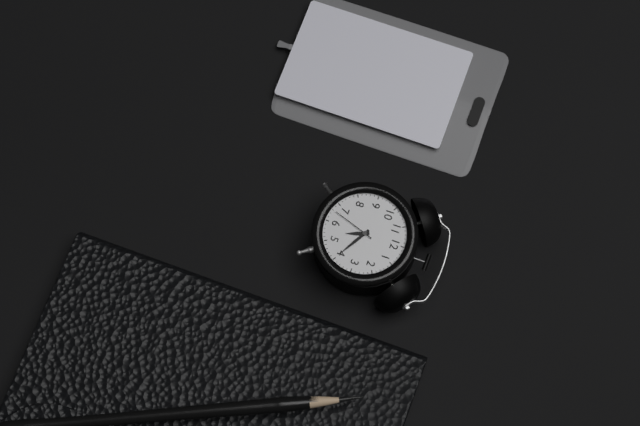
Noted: 5h20
